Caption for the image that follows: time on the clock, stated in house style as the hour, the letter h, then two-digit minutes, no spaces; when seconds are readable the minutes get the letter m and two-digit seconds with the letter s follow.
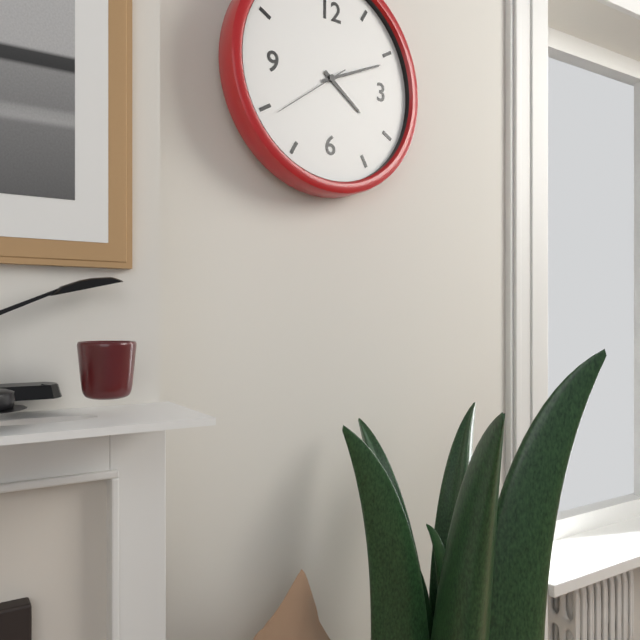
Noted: 4h11m39s
